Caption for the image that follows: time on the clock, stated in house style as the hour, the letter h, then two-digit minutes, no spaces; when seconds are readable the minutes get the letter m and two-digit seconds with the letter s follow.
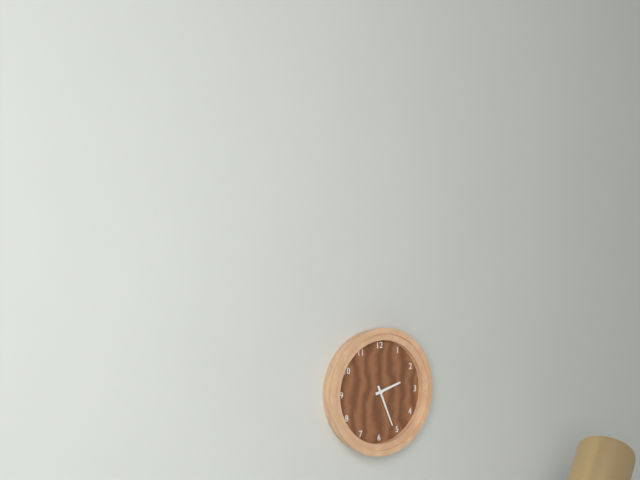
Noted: 2h26
